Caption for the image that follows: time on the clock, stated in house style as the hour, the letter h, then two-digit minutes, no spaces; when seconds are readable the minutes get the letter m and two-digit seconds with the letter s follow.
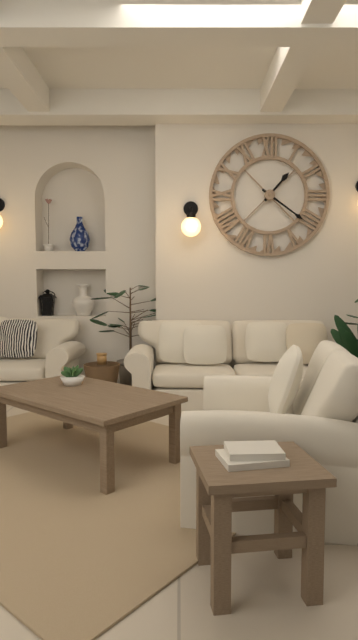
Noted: 1h21
